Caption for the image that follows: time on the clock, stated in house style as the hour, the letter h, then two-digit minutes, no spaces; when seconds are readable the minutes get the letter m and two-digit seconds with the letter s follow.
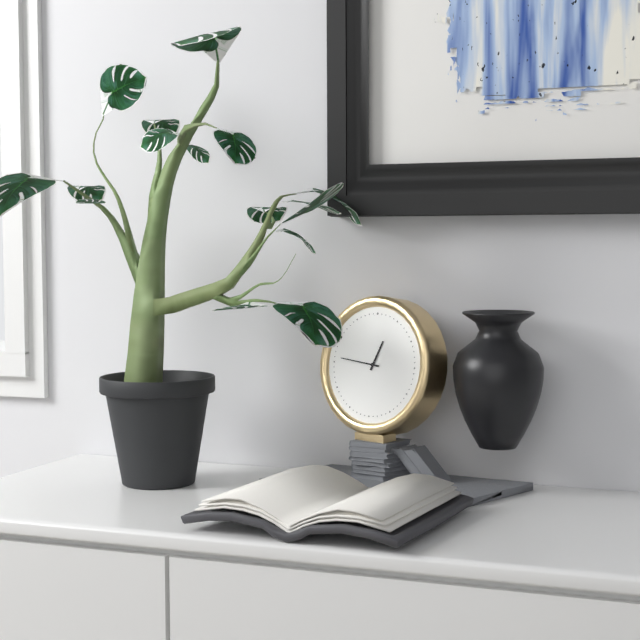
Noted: 12h46
